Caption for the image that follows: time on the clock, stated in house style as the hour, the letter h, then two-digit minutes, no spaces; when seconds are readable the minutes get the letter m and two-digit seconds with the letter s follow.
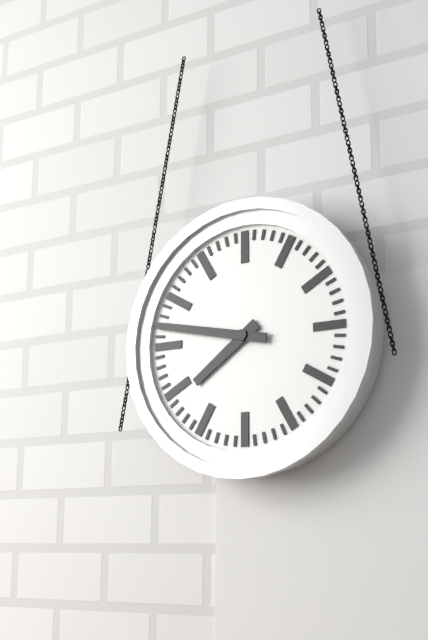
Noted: 7h47
